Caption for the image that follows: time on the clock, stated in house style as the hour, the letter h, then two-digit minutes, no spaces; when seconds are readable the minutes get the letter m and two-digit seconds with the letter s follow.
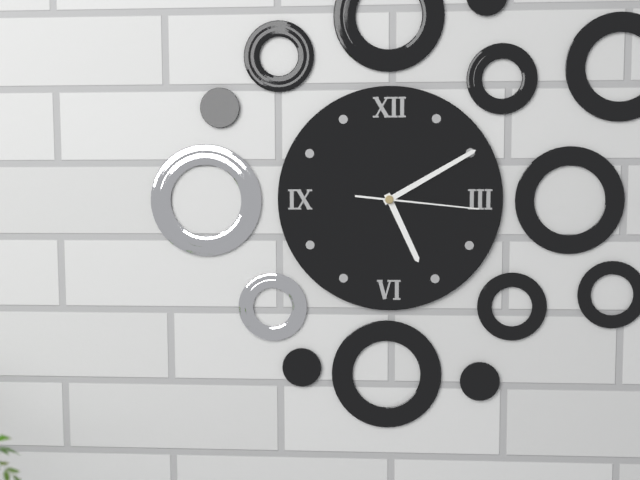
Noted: 5h10m16s
